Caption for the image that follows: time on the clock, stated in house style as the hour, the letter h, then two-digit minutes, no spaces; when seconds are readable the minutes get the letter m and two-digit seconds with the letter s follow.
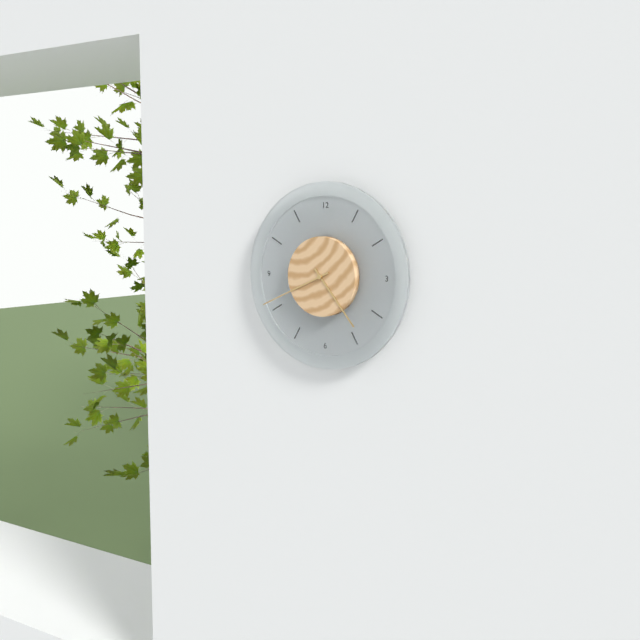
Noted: 4h41
